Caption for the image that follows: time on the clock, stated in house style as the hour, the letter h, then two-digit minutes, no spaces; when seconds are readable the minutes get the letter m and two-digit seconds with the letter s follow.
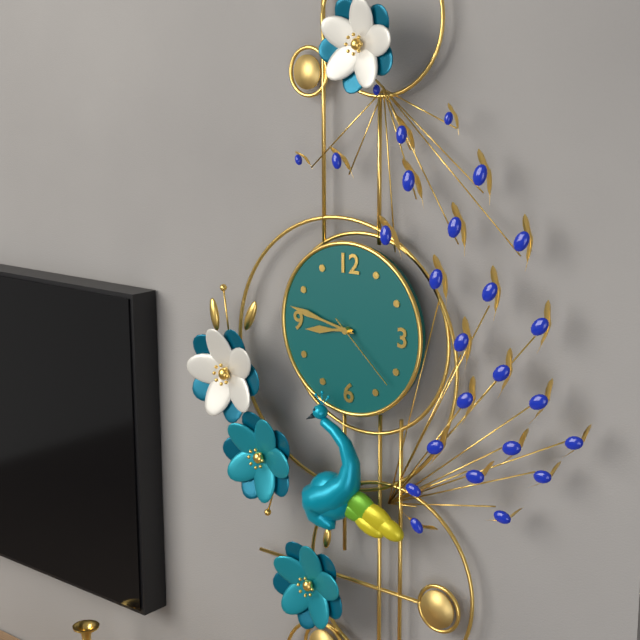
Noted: 8h47m22s
